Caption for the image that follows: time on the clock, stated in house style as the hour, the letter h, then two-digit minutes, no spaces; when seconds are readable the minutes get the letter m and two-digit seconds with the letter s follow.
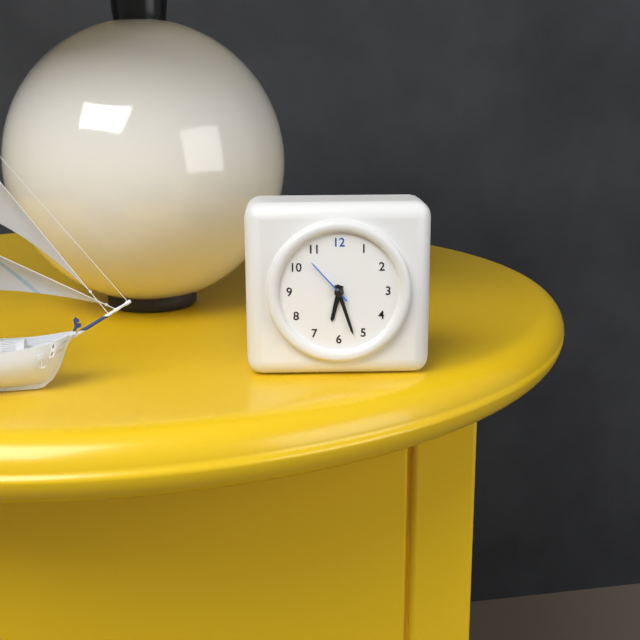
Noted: 6h27m53s
